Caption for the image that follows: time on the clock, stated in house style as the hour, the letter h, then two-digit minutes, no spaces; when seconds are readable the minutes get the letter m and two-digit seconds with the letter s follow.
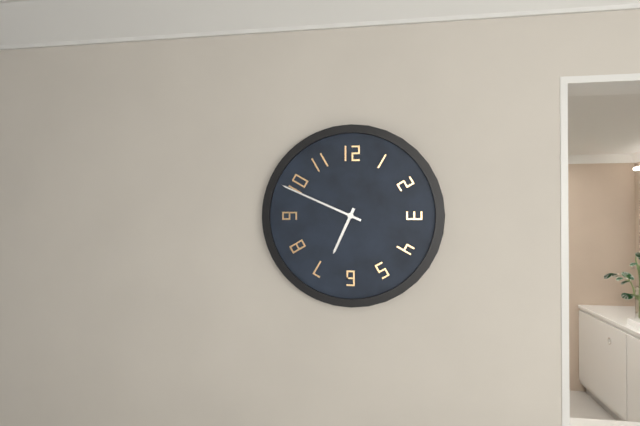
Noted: 6h49
